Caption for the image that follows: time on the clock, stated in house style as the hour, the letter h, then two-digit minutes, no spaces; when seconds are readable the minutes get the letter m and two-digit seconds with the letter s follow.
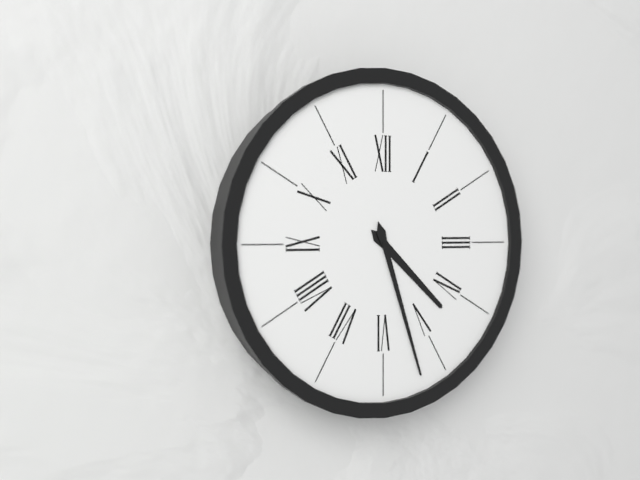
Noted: 4h27
